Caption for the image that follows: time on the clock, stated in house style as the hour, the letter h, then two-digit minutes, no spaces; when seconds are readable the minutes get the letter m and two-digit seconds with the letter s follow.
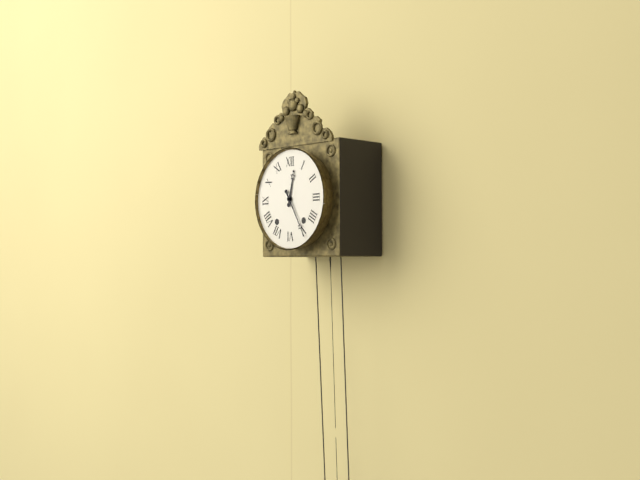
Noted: 12h25
